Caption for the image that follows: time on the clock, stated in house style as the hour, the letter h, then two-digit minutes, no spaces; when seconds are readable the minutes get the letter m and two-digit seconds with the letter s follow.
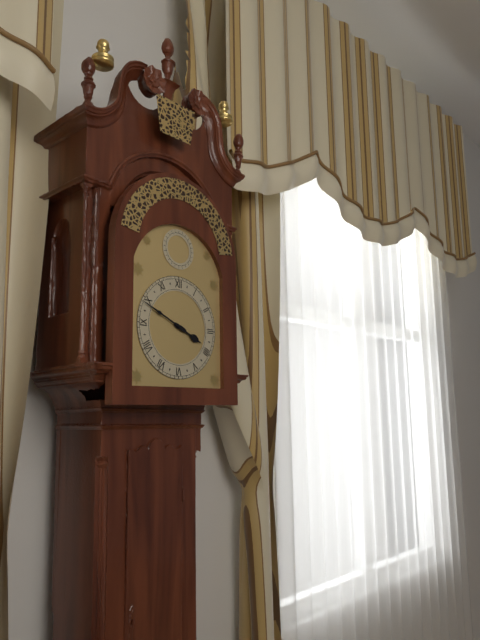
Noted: 3h49
